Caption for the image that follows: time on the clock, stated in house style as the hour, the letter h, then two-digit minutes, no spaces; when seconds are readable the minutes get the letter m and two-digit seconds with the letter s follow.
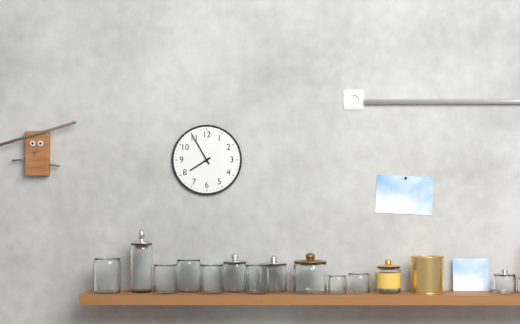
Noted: 7h55
